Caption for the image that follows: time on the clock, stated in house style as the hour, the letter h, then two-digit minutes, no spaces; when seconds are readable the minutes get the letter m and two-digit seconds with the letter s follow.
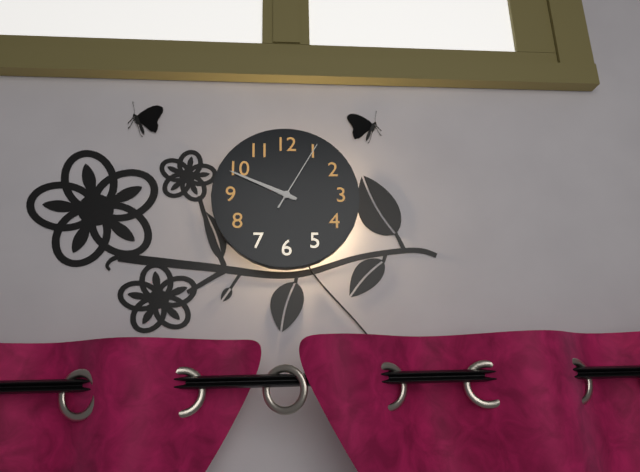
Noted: 9h49m05s
